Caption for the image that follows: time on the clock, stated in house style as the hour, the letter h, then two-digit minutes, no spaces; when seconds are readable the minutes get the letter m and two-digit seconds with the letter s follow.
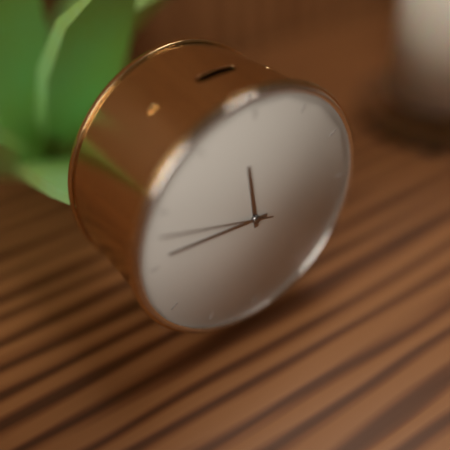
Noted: 11h46m48s
